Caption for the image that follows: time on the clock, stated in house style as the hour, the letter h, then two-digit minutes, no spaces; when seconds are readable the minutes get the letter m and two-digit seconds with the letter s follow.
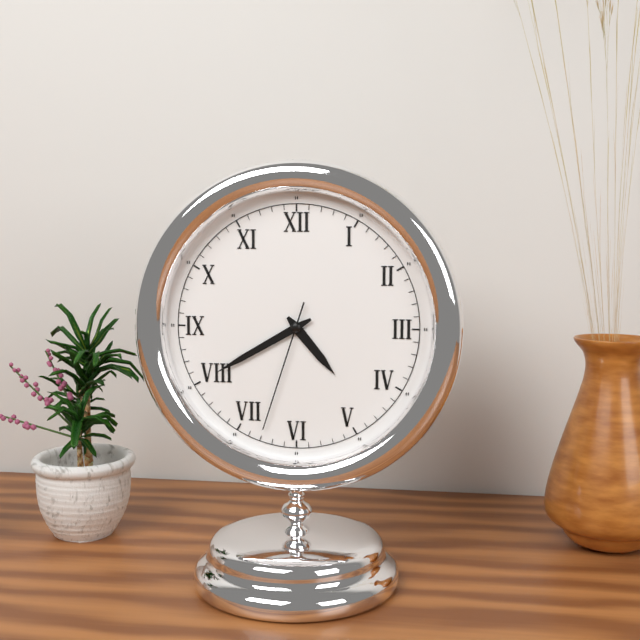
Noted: 4h40m33s
